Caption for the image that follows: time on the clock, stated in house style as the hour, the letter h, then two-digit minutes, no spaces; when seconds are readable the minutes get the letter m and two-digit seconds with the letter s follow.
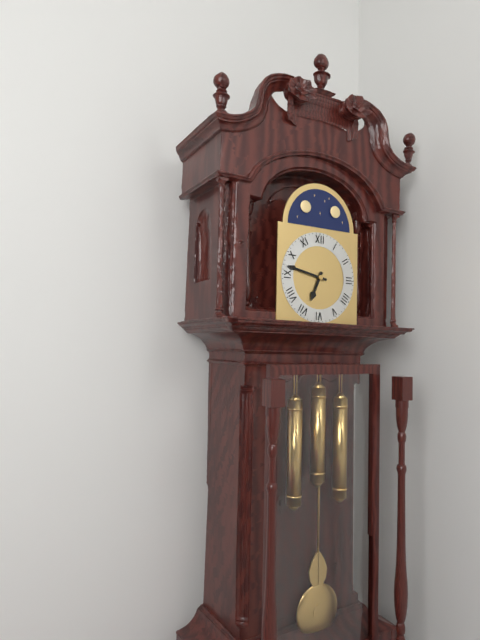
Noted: 6h47
